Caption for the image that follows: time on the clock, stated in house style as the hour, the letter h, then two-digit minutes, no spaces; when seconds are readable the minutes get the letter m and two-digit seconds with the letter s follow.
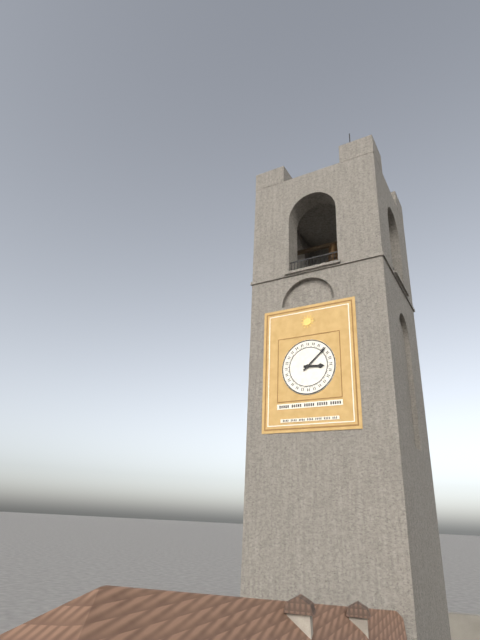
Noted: 3h08
